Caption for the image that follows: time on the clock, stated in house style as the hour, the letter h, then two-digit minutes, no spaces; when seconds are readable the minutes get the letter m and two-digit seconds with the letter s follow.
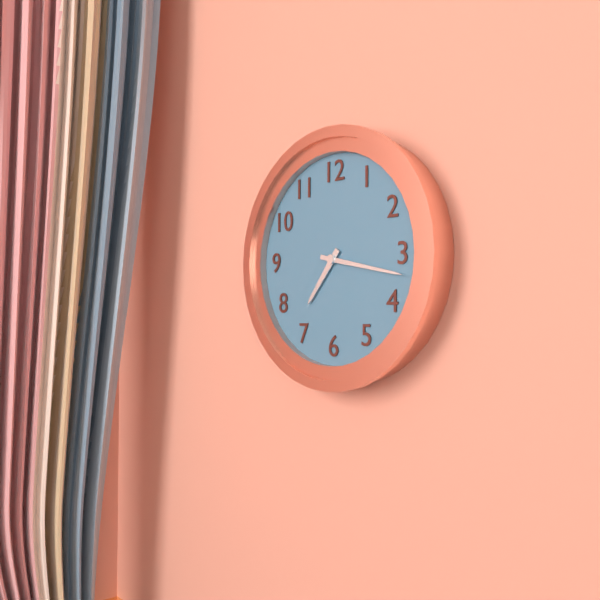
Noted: 7h17
